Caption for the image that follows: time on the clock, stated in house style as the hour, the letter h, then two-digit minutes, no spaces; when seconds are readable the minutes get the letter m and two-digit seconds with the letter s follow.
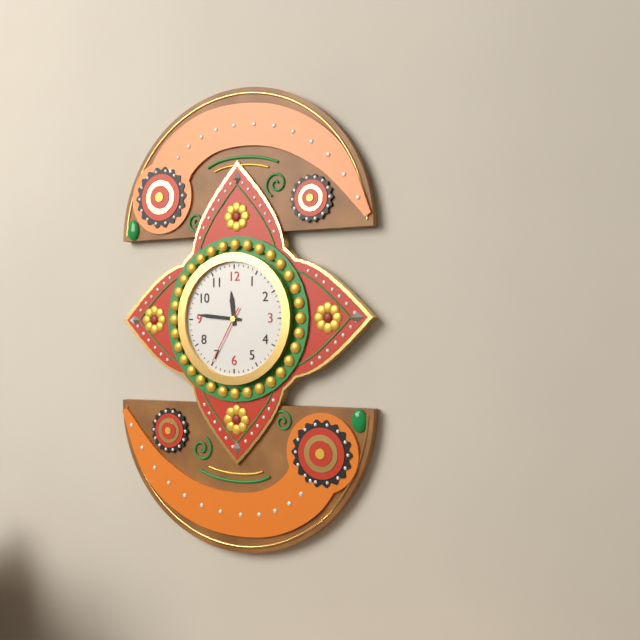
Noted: 11h46m35s
